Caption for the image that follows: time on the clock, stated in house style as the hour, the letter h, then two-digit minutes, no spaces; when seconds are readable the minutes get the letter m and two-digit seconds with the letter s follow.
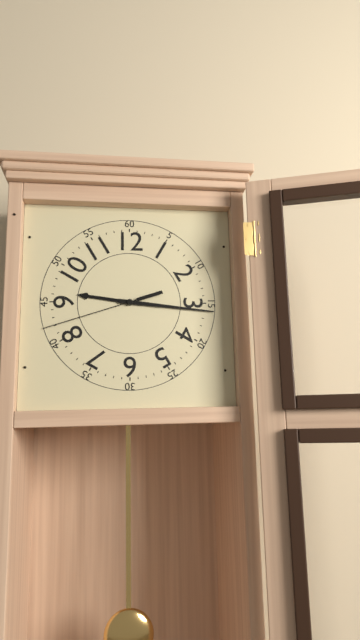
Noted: 9h16m42s
